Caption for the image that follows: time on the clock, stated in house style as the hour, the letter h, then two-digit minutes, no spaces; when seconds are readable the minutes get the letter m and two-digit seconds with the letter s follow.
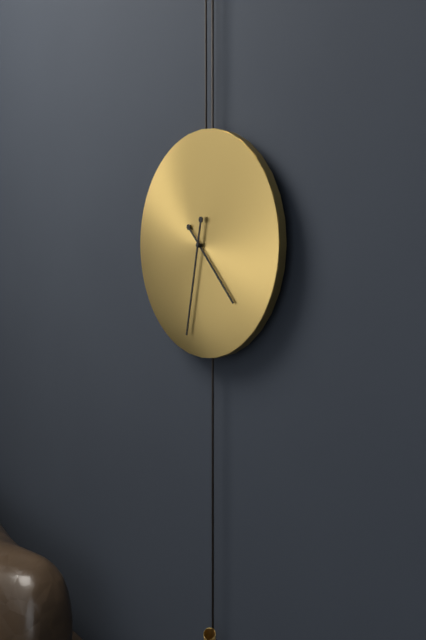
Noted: 4h32
